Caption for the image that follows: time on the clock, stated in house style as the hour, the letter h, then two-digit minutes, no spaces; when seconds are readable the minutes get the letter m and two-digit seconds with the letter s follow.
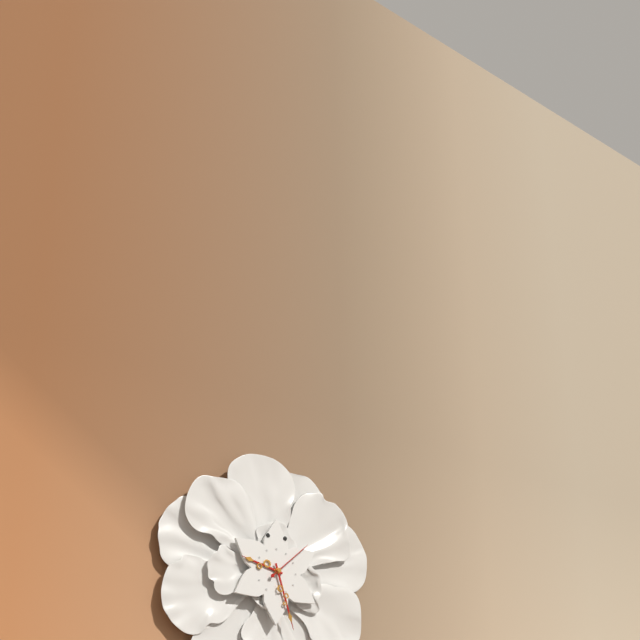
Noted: 9h27
